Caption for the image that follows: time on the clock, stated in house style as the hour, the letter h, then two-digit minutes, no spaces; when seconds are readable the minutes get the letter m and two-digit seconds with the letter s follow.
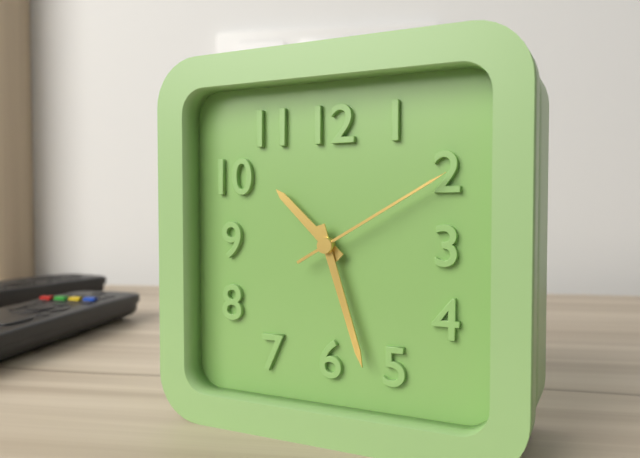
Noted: 10h27m10s
